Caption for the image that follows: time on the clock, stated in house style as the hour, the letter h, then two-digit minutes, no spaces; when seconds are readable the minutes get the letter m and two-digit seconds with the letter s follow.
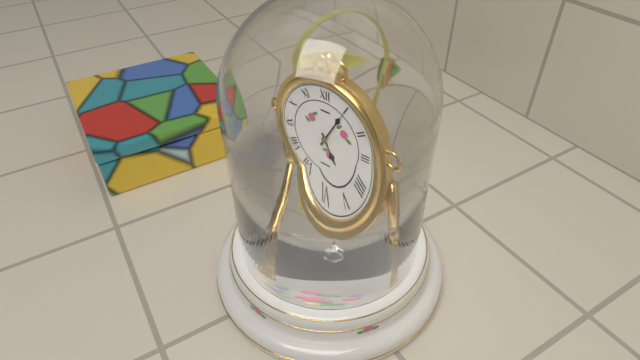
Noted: 5h05
